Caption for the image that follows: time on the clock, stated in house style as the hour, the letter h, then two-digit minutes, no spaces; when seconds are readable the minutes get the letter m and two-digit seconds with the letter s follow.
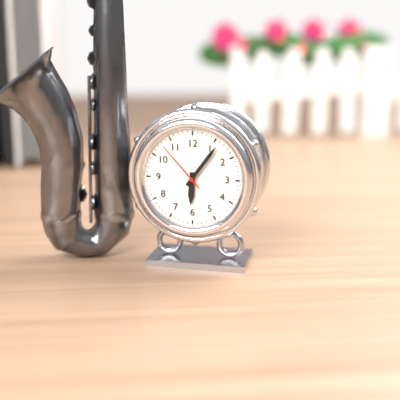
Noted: 6h06m53s
